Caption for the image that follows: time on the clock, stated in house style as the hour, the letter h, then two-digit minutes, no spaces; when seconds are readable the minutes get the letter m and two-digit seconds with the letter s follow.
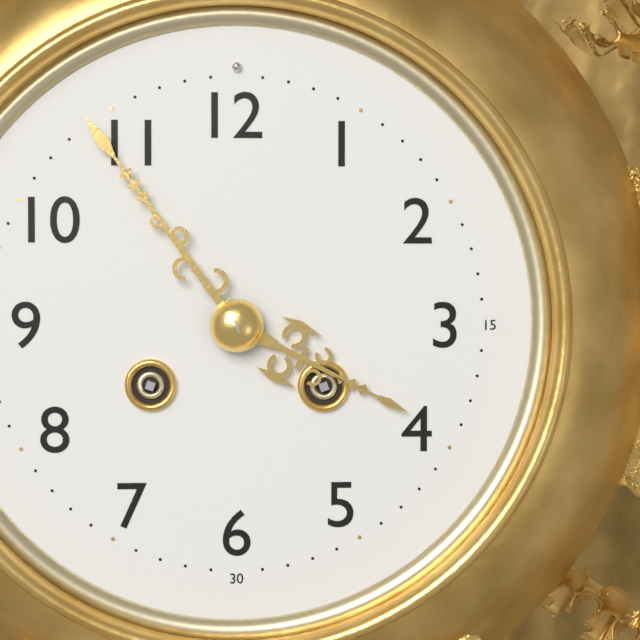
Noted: 3h54
